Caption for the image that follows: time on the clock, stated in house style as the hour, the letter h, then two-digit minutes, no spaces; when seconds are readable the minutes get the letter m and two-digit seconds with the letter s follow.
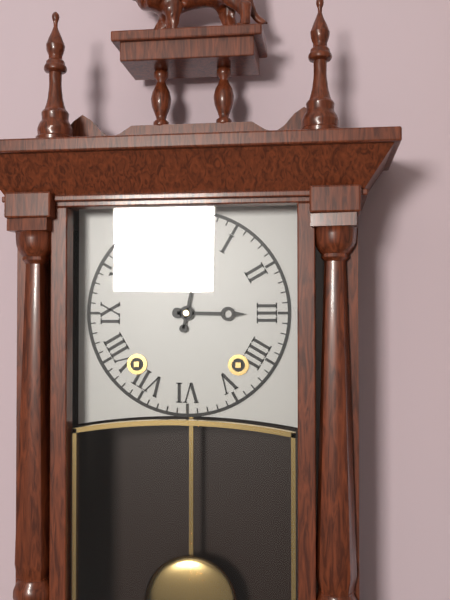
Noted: 3h02
